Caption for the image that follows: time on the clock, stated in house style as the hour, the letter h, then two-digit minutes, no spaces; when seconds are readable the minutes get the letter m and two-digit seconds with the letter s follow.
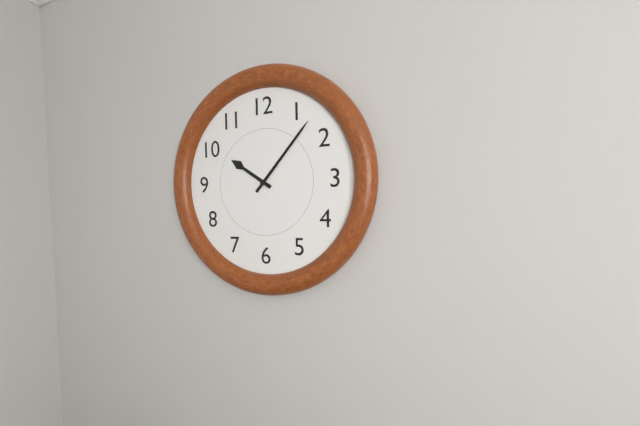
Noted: 10h07
